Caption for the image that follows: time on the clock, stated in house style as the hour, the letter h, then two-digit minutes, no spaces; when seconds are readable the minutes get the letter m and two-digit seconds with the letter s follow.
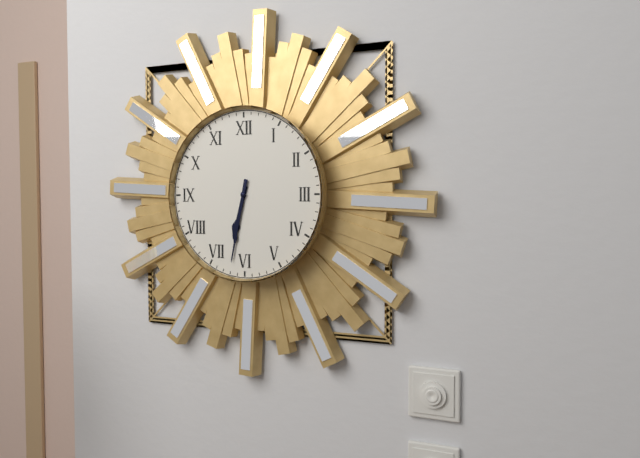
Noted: 6h32
